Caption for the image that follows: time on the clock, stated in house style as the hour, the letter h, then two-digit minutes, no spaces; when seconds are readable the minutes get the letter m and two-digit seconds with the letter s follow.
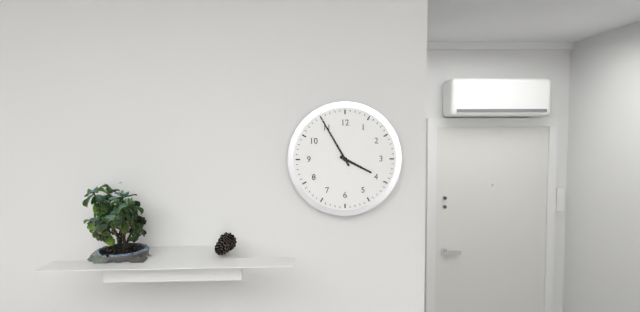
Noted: 3h55
